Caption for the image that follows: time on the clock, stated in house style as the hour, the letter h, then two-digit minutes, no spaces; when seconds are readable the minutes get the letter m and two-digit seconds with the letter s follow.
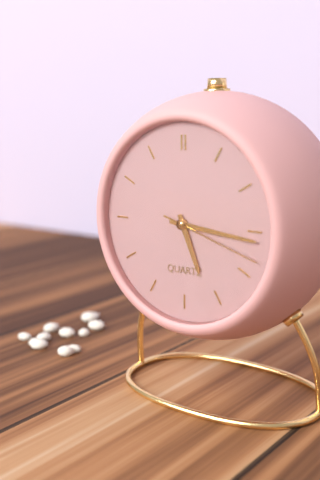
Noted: 5h16m18s
